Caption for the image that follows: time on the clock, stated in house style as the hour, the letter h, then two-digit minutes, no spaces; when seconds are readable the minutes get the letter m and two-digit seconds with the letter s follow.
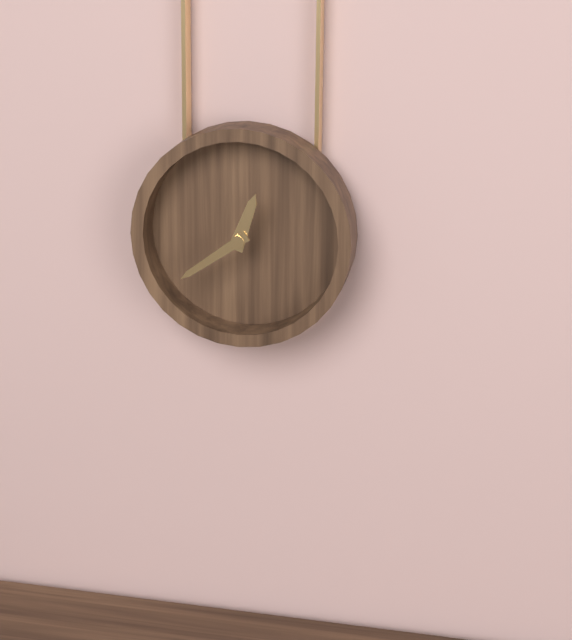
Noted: 12h39
